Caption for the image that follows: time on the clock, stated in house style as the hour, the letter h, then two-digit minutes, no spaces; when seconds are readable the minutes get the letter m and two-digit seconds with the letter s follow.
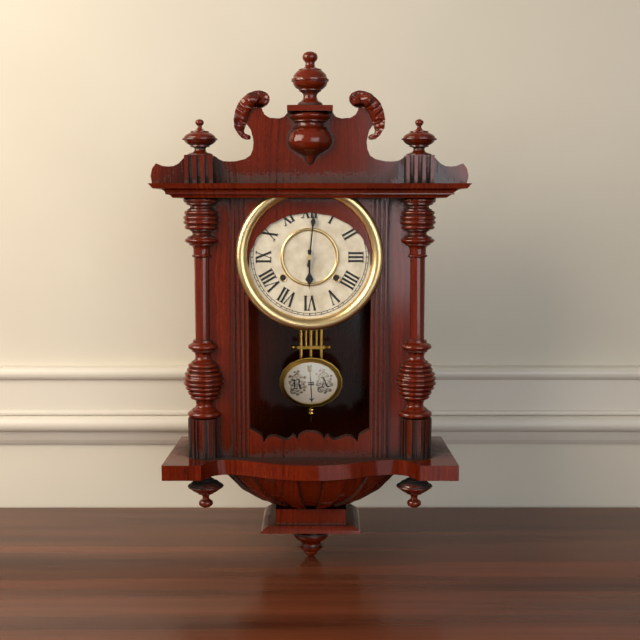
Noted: 6h01
